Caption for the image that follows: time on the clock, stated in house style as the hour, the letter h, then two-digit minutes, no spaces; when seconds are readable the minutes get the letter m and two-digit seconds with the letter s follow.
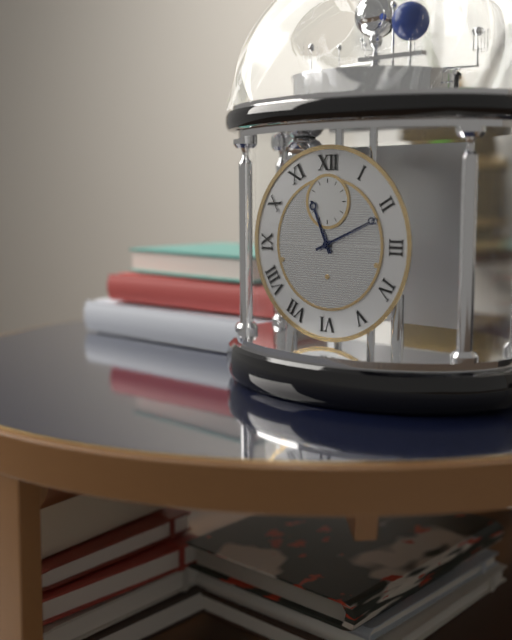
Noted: 11h11
